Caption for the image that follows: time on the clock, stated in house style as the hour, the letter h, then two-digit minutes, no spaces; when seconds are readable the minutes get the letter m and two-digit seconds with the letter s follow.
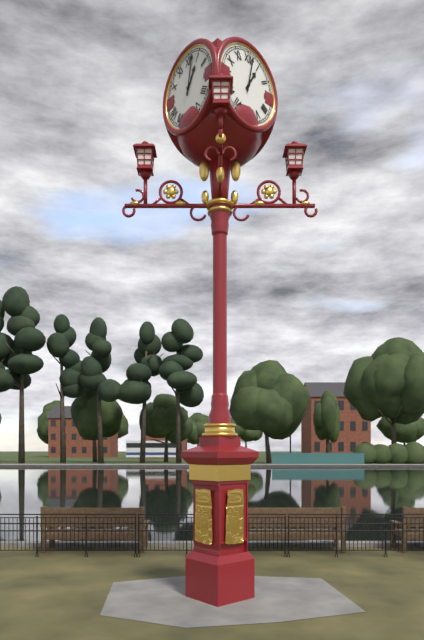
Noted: 1h02
